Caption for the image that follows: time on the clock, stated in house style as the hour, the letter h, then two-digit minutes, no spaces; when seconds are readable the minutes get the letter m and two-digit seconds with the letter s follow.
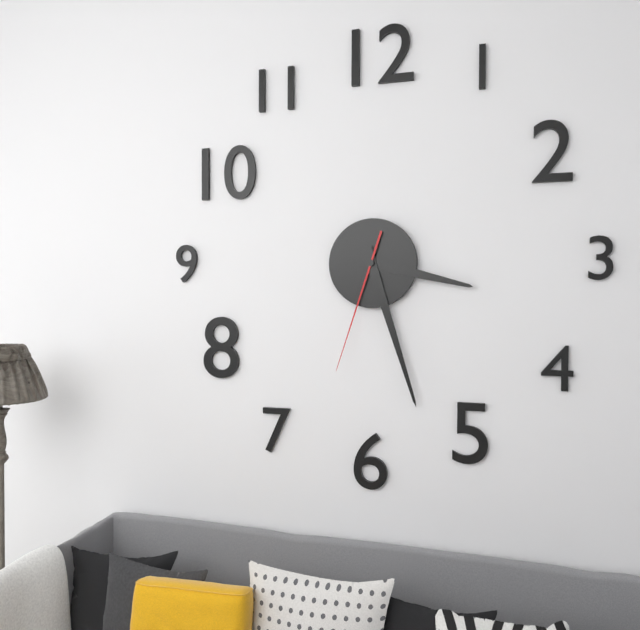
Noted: 3h27m33s
